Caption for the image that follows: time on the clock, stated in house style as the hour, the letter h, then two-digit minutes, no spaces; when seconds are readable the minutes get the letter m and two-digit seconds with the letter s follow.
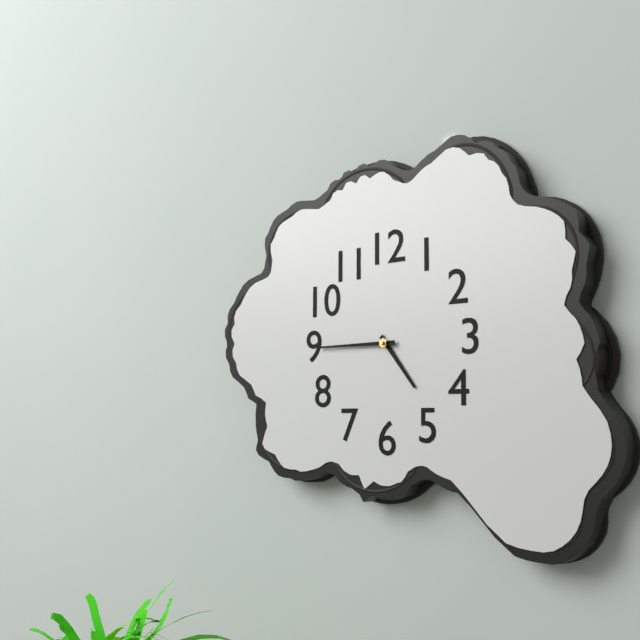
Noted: 4h45
